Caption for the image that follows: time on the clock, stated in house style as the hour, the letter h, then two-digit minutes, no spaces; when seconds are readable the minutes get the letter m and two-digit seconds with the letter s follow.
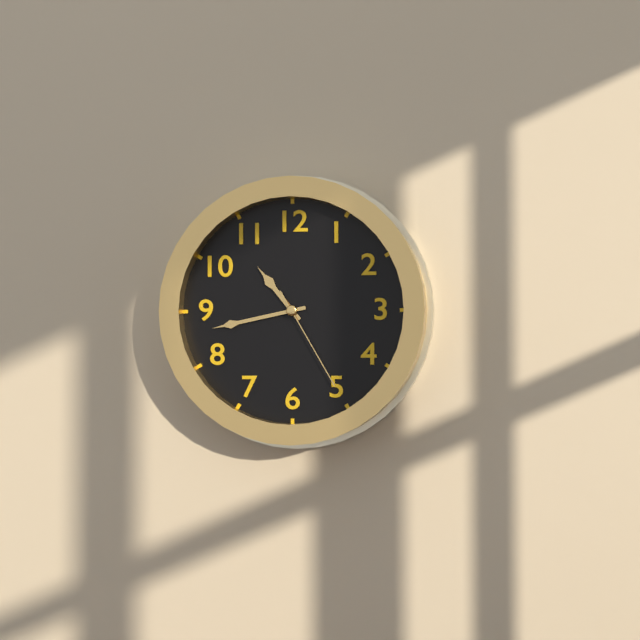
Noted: 10h43m25s
